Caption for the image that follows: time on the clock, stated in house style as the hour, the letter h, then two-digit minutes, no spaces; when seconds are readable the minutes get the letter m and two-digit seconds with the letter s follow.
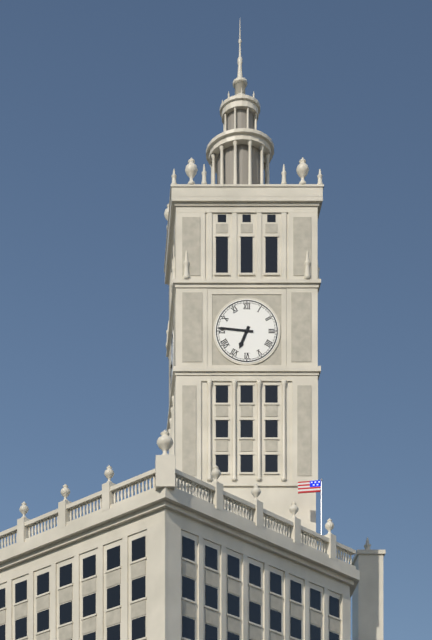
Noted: 6h46
